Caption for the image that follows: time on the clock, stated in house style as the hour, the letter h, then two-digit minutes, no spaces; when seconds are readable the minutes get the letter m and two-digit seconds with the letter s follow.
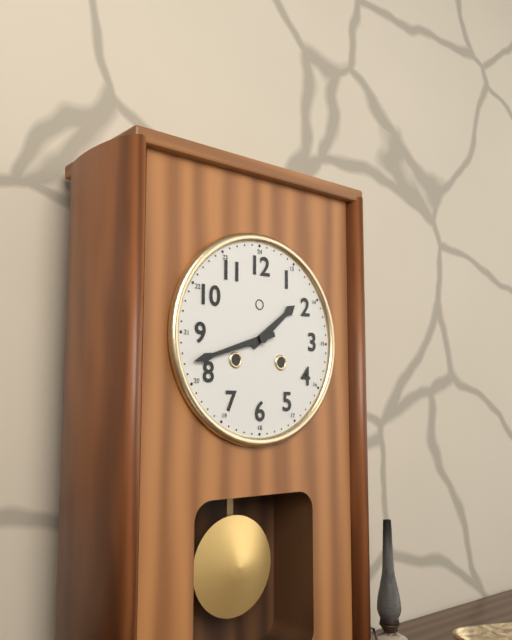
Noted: 1h42
